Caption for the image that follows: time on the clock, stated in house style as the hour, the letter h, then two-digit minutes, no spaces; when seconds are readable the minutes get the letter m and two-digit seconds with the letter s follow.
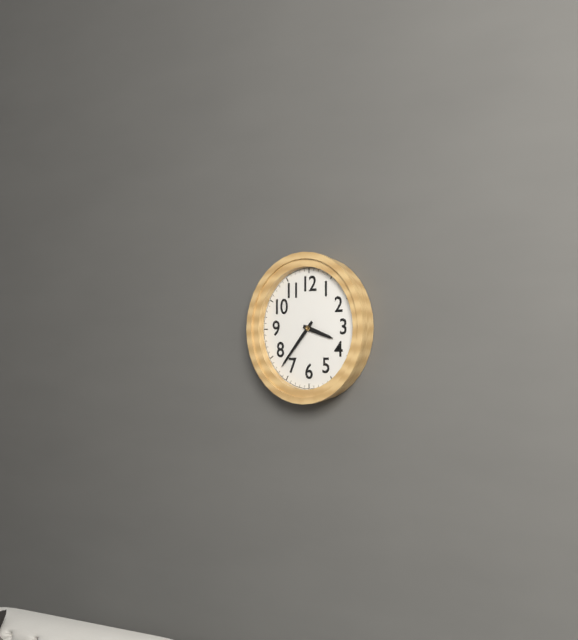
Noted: 3h37
